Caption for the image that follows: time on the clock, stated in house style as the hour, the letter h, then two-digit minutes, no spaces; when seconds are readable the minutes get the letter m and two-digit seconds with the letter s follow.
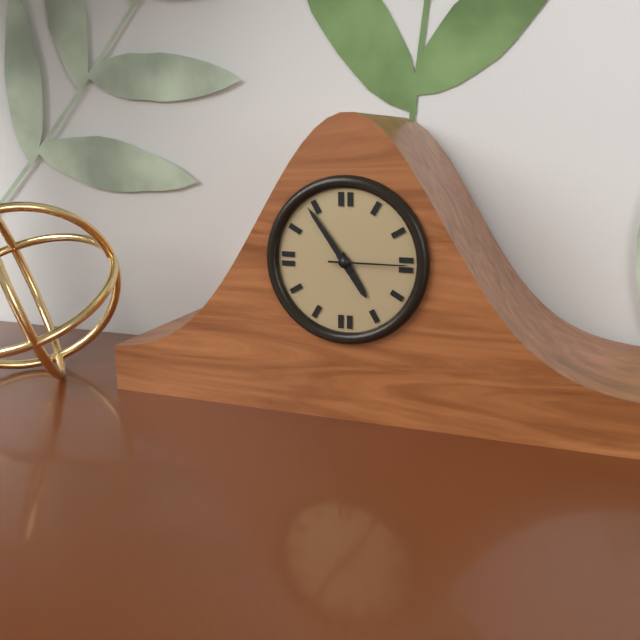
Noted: 4h54m15s
